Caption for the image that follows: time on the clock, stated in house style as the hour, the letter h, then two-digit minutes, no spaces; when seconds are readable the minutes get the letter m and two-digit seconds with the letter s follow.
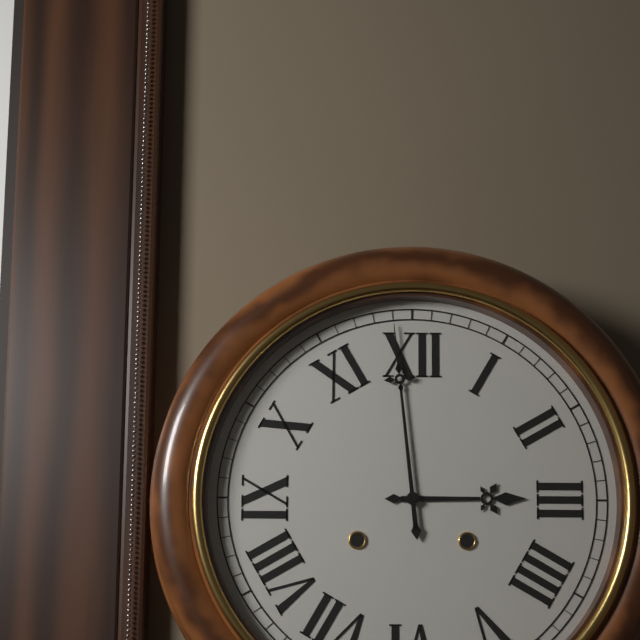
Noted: 2h59
